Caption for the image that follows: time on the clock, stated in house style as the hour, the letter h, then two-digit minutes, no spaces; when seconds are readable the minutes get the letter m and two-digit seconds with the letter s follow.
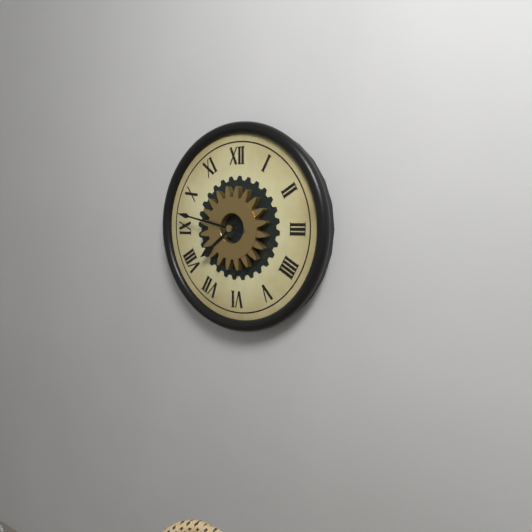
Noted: 7h47
